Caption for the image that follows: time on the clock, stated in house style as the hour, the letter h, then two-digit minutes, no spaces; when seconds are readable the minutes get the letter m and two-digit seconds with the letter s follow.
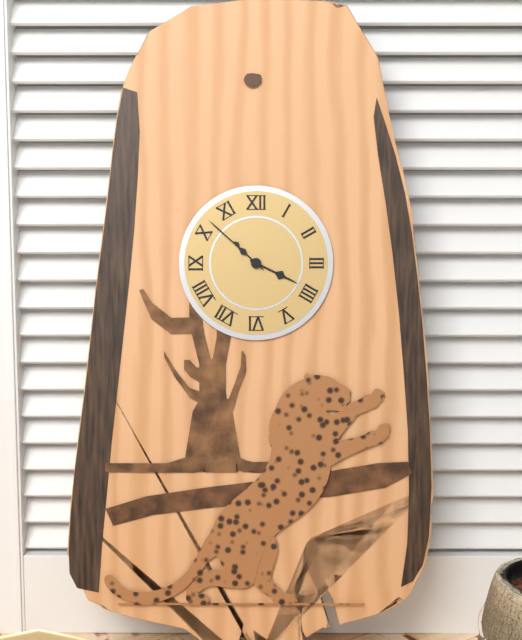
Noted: 3h52
